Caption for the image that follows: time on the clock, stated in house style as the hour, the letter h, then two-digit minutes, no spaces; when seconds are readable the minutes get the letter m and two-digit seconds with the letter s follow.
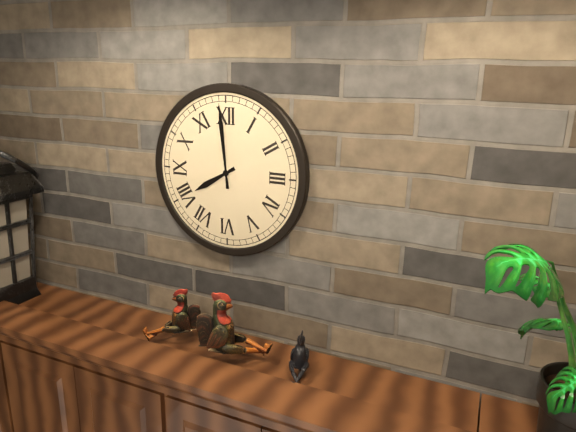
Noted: 7h59
